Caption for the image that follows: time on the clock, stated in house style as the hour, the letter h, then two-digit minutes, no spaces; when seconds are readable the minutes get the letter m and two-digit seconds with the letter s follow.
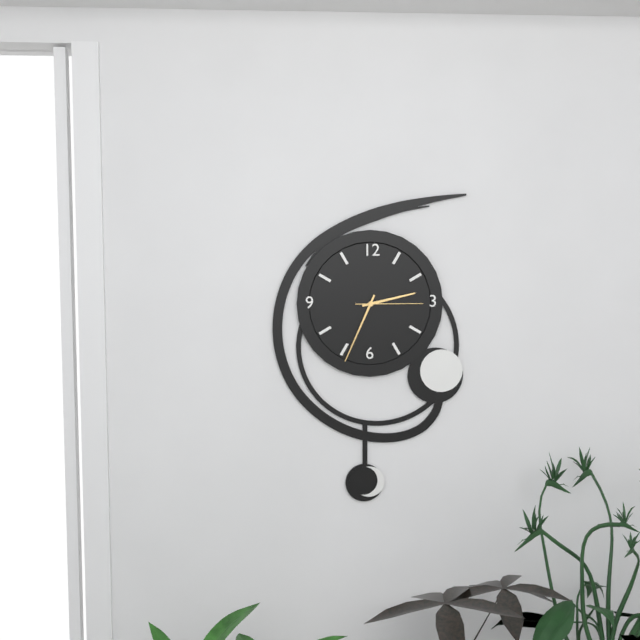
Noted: 2h34m15s
